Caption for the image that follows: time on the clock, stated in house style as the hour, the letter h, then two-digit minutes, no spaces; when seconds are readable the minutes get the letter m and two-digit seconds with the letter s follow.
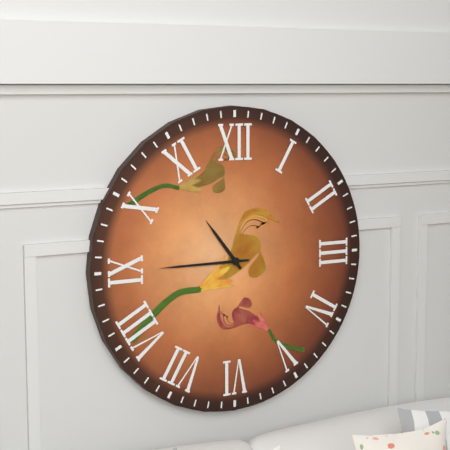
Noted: 10h45
